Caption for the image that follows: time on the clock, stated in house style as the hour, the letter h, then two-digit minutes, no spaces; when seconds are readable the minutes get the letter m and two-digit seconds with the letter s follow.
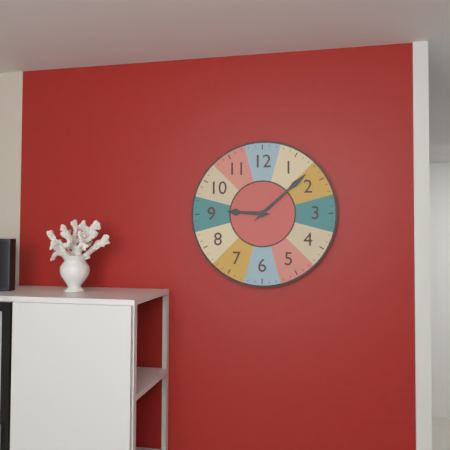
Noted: 9h08
